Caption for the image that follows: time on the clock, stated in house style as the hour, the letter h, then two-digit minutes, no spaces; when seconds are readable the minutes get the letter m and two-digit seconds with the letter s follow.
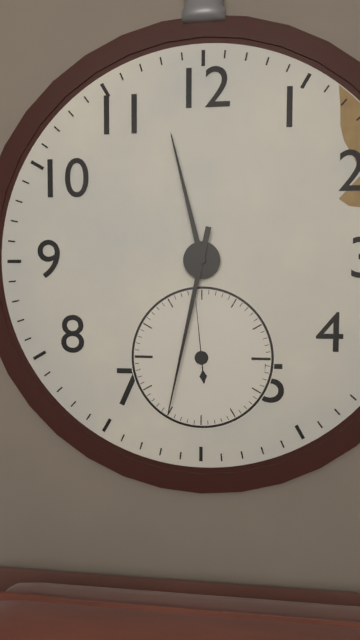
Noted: 11h32m59s
